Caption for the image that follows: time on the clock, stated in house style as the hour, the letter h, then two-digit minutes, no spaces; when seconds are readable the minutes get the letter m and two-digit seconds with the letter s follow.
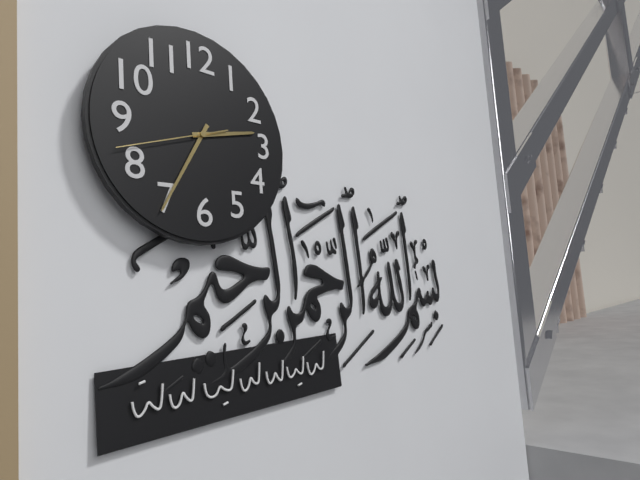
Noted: 2h35m42s
